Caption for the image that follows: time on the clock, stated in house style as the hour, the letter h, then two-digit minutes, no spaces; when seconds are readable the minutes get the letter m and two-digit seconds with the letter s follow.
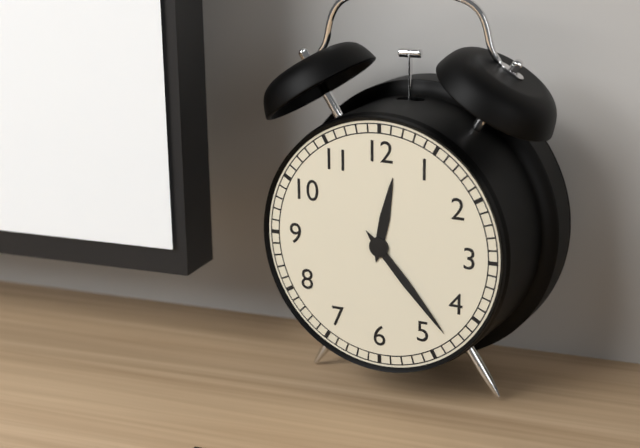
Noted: 12h23
